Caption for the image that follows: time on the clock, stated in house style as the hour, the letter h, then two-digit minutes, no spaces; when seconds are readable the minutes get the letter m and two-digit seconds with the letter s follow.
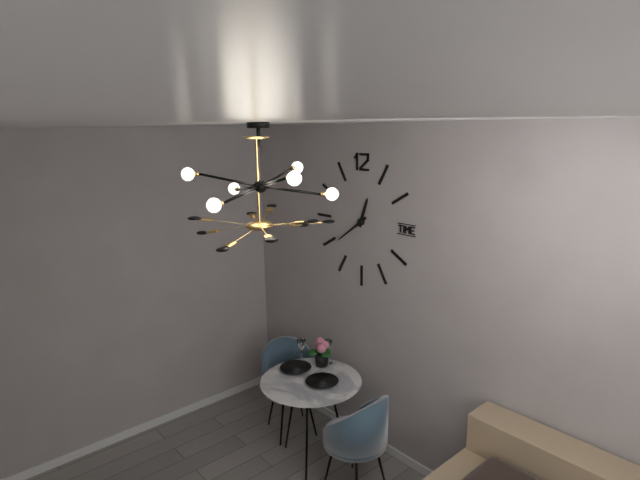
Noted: 12h39
